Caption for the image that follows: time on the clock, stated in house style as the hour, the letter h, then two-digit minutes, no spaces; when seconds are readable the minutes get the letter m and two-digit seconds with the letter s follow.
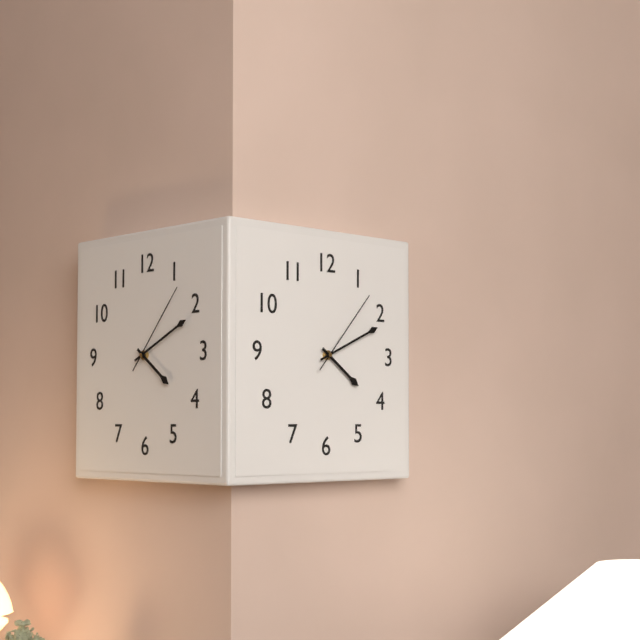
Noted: 4h11m07s
